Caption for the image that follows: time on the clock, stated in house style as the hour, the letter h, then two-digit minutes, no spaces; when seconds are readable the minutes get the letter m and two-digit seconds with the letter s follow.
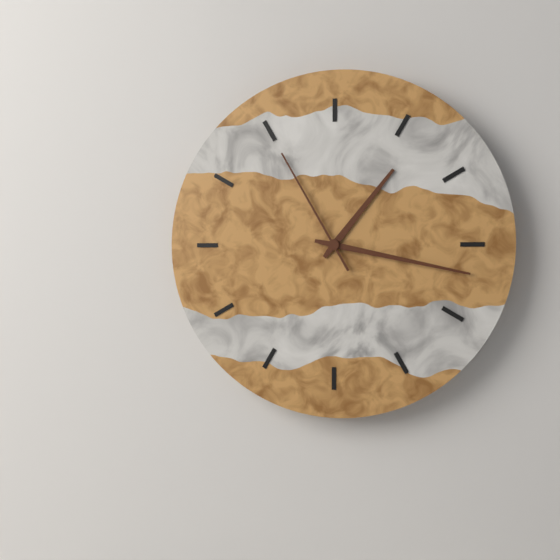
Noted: 1h17m55s
